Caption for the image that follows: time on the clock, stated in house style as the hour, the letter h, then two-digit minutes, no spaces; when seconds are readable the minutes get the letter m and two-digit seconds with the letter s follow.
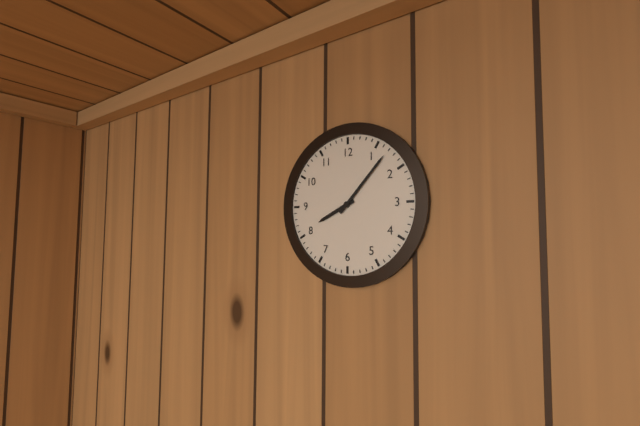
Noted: 8h07
